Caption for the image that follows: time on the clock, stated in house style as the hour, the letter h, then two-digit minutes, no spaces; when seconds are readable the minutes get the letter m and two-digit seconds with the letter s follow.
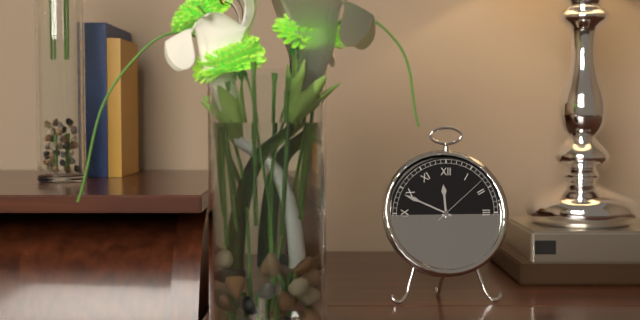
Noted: 11h49m08s
